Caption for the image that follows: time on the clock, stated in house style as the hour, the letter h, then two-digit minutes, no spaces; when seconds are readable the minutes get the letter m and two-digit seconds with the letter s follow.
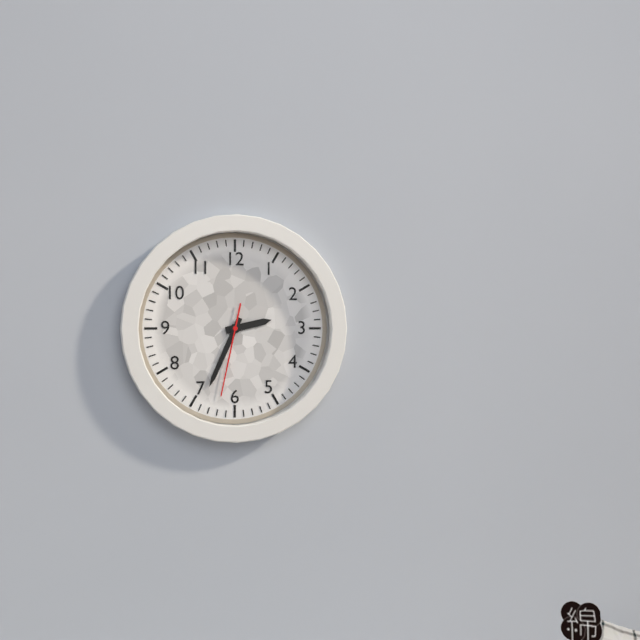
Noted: 2h34m32s
